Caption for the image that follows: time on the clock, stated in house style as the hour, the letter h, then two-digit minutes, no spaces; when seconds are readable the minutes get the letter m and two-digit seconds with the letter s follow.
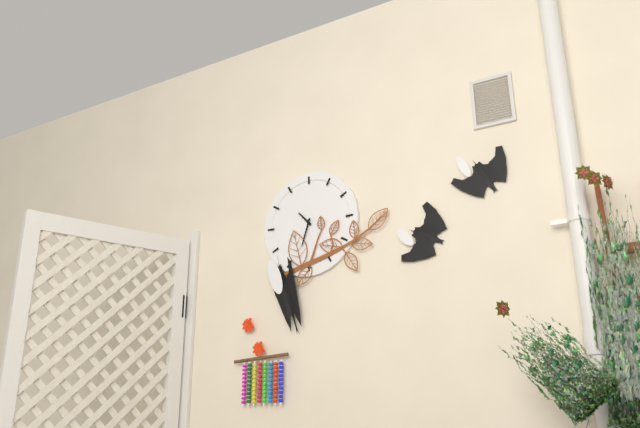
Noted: 10h33
